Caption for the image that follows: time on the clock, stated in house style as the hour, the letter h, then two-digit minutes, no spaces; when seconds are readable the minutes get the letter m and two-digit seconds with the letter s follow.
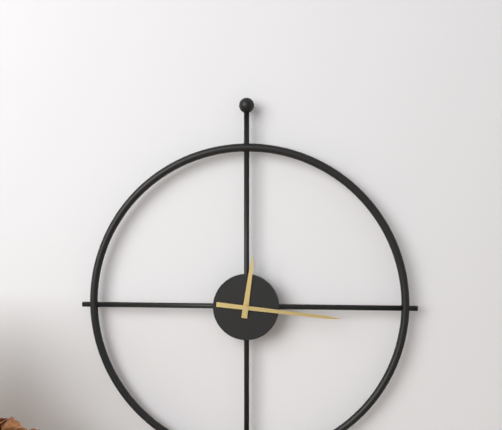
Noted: 12h16
